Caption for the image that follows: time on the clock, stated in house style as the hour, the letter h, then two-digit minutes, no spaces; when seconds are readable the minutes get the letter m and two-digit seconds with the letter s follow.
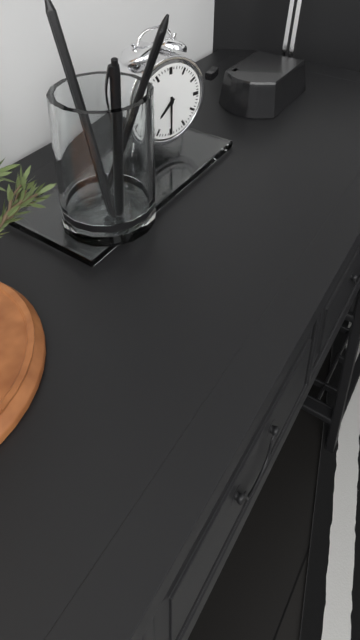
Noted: 7h30
